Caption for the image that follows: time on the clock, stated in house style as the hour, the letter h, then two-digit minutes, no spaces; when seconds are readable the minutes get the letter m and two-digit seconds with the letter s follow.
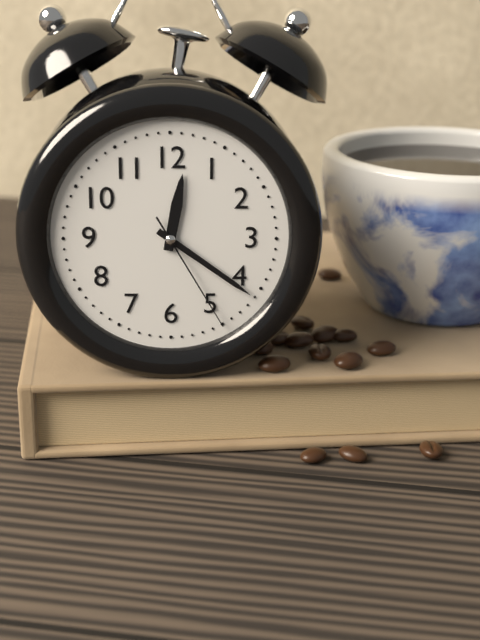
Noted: 12h21m25s
